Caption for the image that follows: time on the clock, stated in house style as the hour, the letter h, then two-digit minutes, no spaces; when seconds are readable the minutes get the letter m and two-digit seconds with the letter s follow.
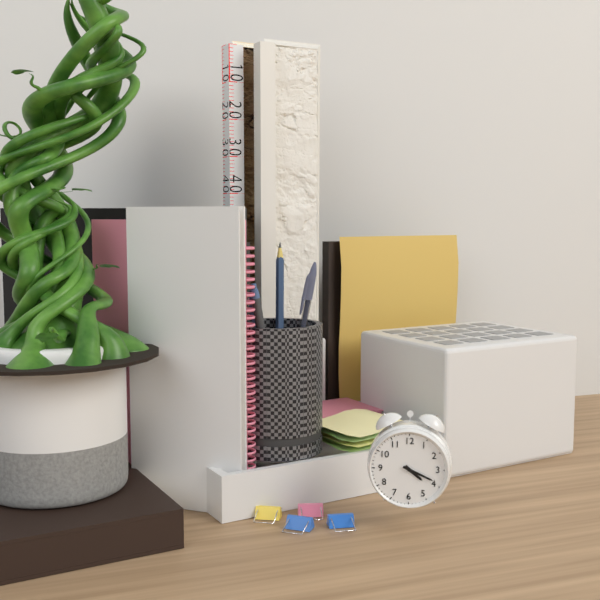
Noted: 4h19
